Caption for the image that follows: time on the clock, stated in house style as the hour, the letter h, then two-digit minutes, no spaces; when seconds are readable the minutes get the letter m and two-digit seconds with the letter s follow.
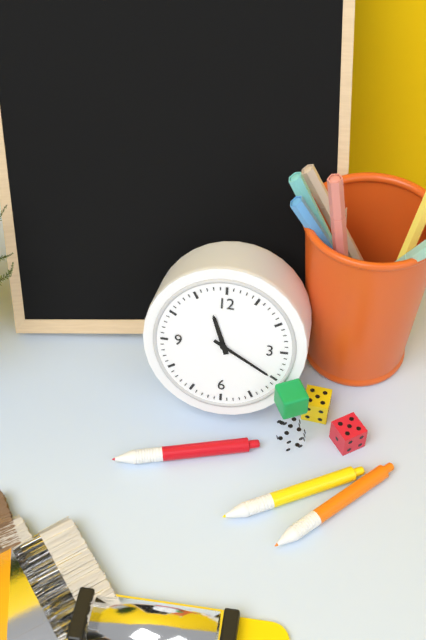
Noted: 11h20
